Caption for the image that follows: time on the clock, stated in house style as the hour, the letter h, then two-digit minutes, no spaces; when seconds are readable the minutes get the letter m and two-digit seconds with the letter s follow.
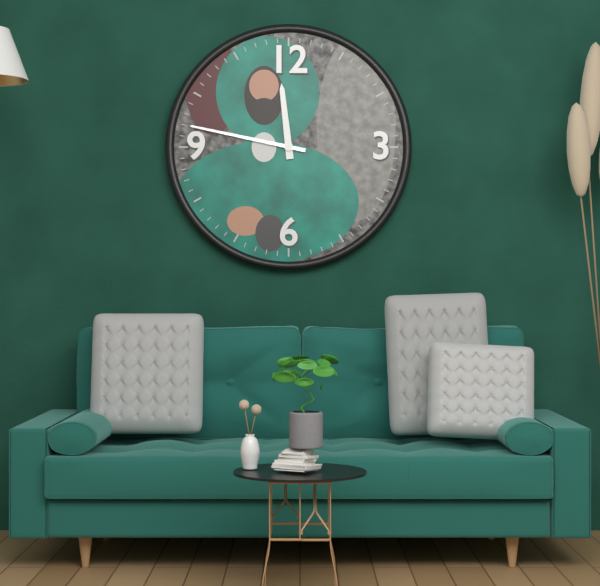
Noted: 11h47
